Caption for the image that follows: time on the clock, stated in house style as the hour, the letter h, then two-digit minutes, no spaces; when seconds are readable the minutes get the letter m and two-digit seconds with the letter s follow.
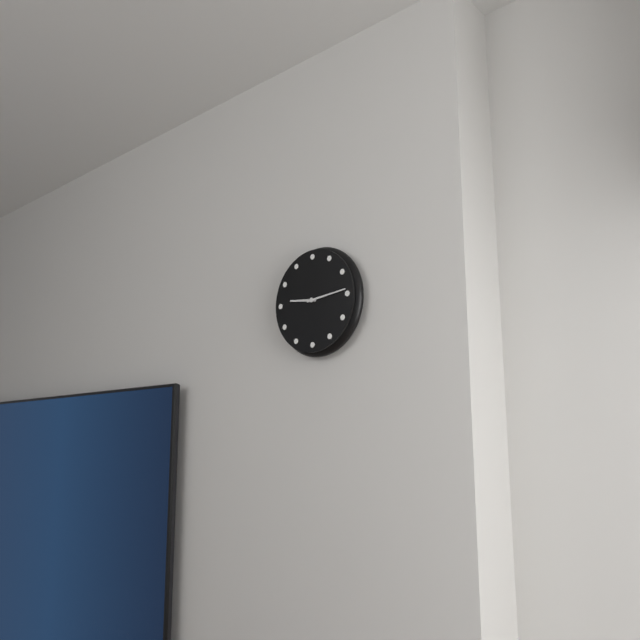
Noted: 9h14
